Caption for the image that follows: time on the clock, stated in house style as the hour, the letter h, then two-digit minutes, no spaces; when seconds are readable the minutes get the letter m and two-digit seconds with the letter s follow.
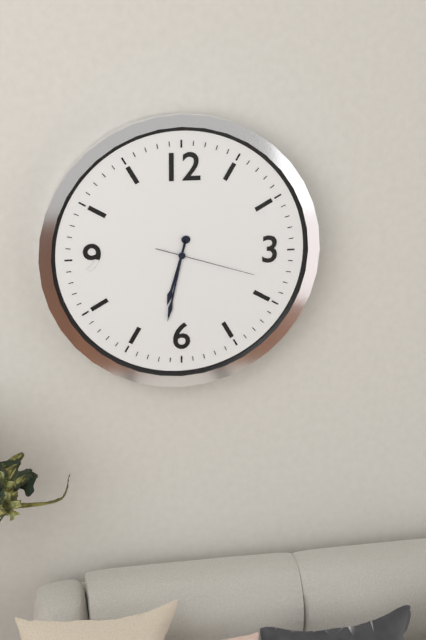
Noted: 6h32m18s
